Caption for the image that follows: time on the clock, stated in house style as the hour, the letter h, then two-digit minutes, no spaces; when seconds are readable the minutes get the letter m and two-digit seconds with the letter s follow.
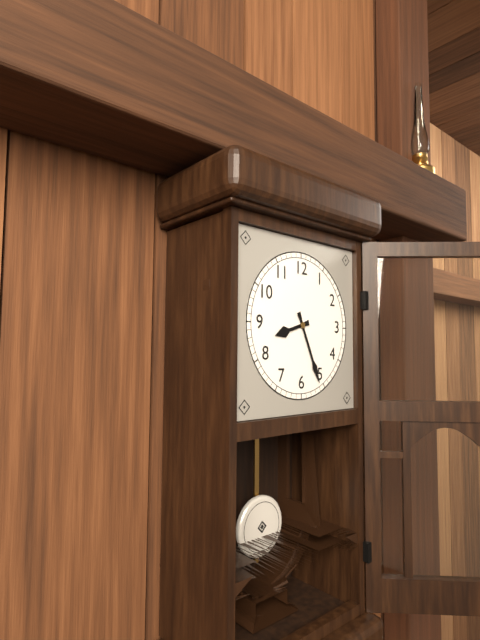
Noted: 8h26
